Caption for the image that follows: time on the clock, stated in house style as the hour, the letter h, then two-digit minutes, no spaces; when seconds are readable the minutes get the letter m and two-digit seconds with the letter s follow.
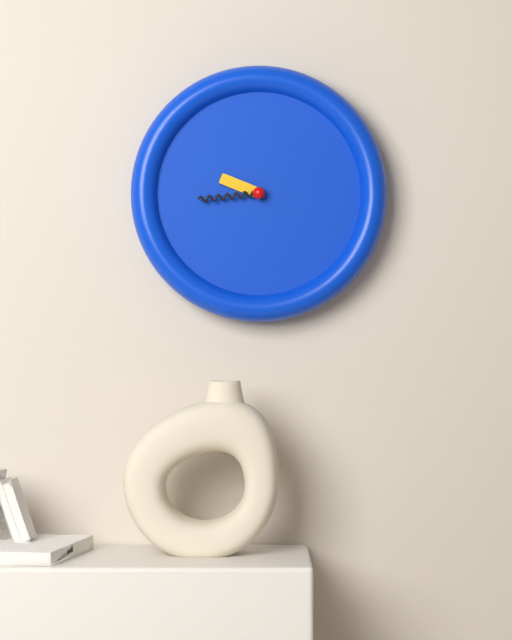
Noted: 9h44
